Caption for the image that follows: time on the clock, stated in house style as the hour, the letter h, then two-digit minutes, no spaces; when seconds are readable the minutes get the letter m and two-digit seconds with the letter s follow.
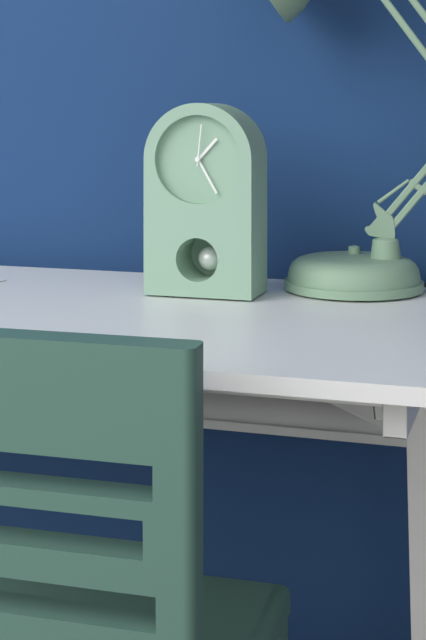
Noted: 1h25
